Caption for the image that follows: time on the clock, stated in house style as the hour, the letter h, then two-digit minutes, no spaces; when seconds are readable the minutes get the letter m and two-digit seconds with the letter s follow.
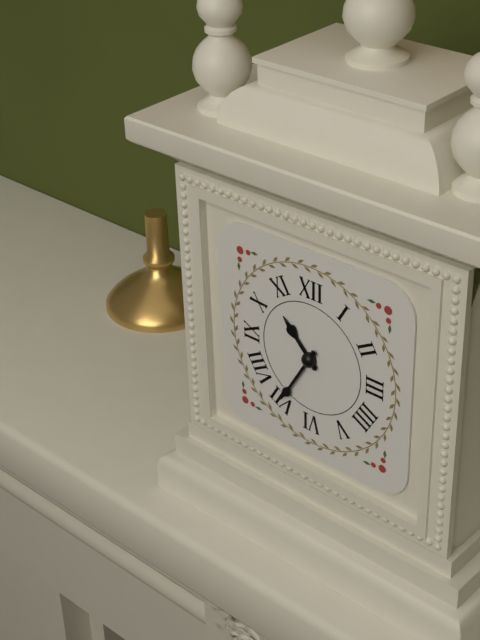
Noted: 10h35
